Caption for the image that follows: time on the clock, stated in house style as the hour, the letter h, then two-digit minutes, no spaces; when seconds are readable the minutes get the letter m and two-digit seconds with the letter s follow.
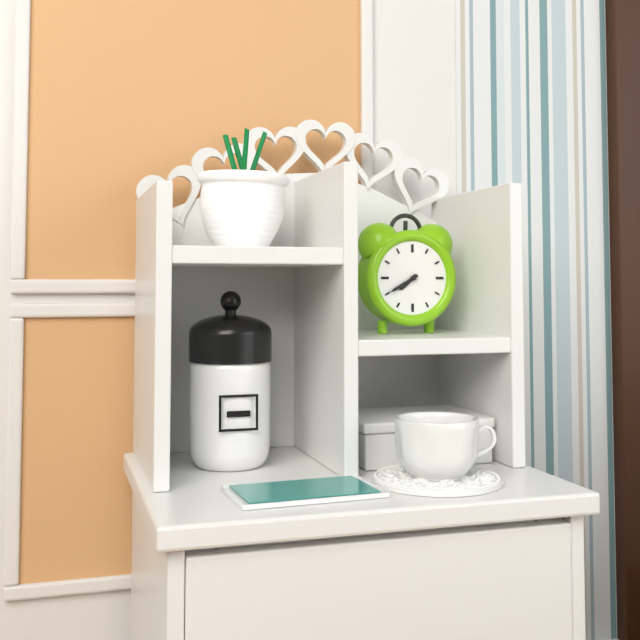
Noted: 7h40
